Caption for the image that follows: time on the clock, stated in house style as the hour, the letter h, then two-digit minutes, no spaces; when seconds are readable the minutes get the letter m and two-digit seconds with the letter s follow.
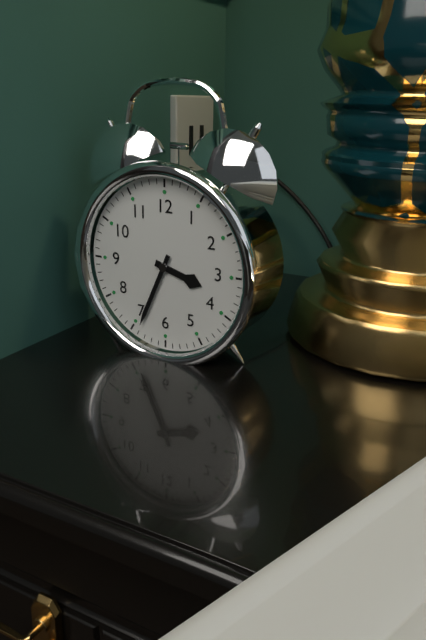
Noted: 3h34
